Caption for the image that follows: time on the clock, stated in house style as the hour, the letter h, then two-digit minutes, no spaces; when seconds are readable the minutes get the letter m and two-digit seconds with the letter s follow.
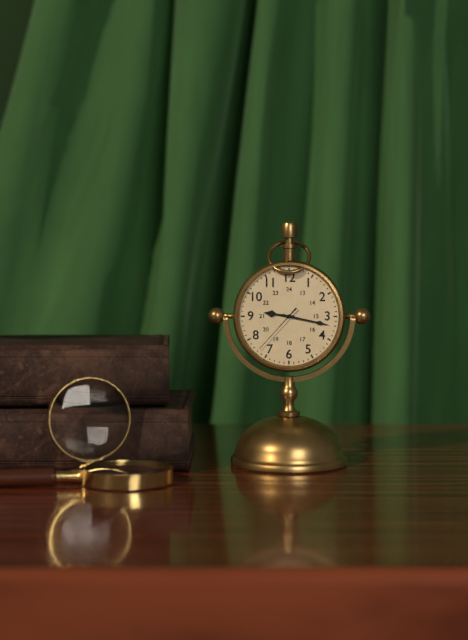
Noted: 9h17m37s
